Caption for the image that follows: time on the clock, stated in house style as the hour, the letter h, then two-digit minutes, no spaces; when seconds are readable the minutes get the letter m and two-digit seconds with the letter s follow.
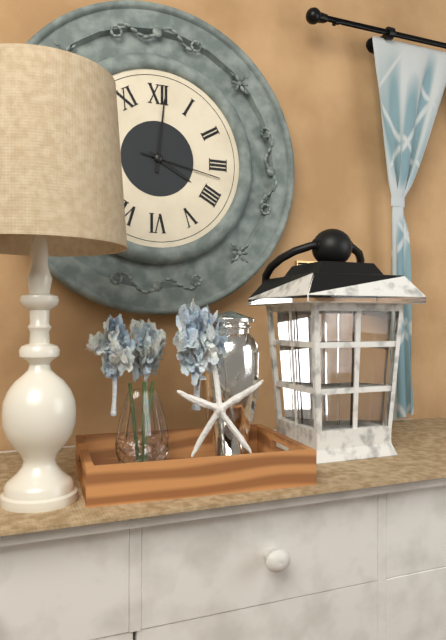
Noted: 4h01m17s
